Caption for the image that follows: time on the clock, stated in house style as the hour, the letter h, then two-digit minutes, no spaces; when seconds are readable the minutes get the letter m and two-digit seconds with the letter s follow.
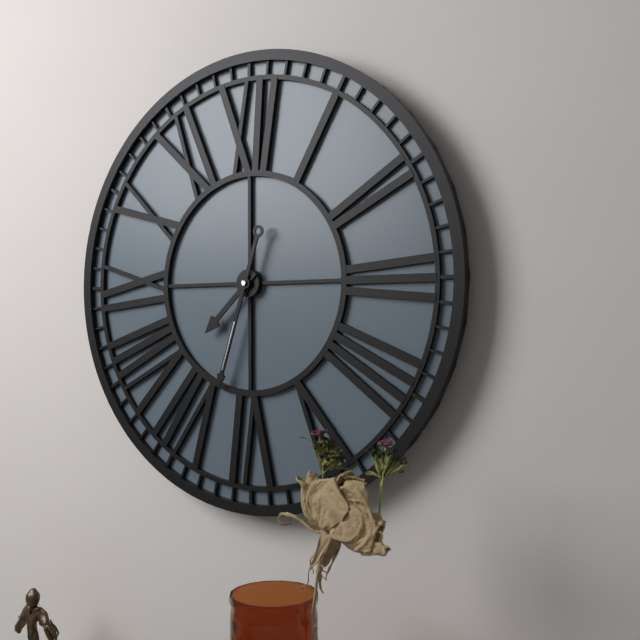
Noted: 7h33
